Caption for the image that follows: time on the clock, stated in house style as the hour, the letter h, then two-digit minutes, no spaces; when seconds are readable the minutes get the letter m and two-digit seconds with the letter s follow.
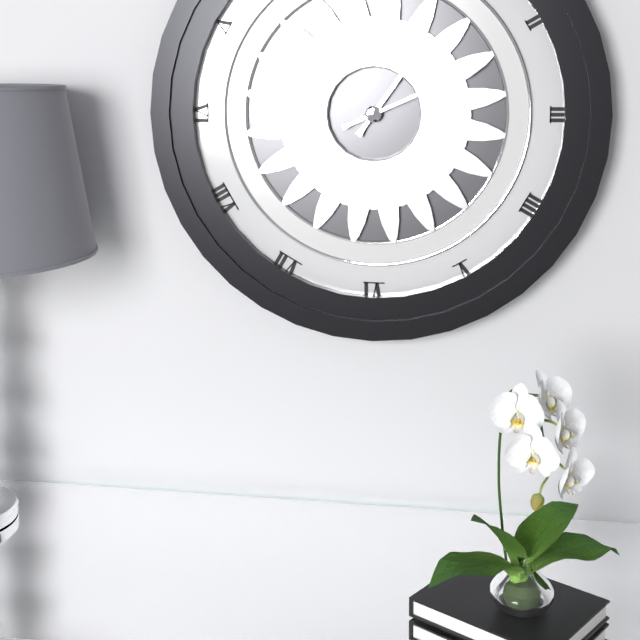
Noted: 1h11
